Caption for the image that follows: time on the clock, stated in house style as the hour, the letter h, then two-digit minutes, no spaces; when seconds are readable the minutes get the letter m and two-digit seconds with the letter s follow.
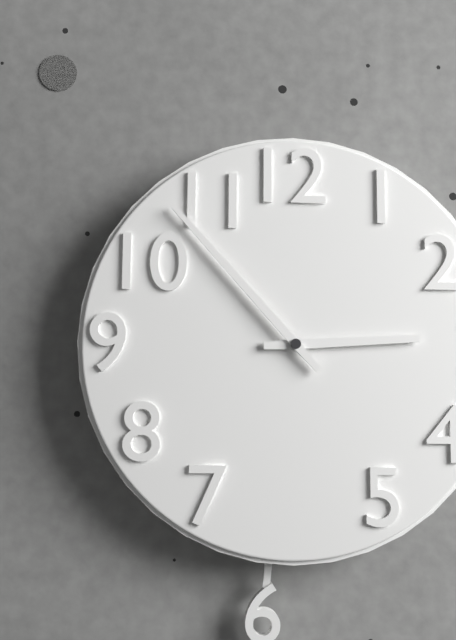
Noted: 2h53
